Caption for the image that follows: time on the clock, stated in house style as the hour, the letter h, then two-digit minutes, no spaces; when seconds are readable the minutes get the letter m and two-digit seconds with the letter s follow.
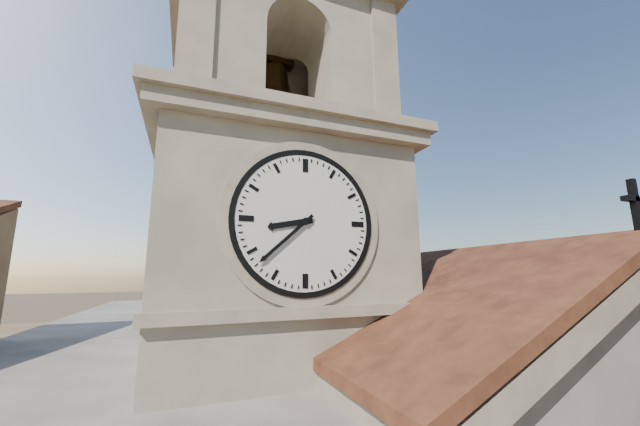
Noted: 8h38
